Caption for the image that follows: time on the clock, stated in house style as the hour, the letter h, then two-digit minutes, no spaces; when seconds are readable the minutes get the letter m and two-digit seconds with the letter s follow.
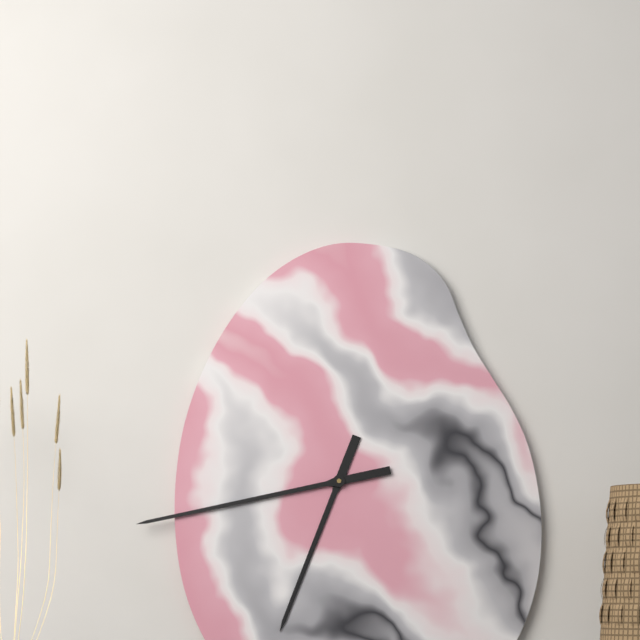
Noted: 6h43
